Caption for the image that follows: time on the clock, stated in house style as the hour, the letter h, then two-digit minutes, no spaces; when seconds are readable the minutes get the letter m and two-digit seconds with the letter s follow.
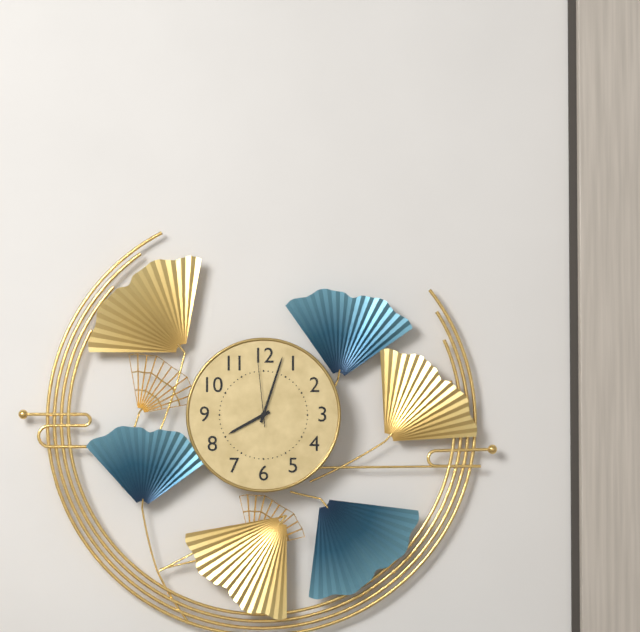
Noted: 8h03m59s
